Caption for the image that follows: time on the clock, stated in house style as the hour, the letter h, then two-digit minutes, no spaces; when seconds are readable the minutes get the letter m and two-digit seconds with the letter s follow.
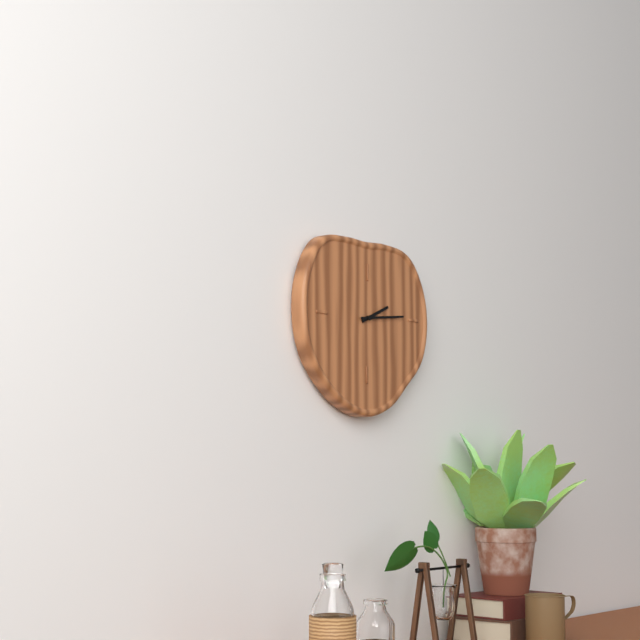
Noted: 2h14
